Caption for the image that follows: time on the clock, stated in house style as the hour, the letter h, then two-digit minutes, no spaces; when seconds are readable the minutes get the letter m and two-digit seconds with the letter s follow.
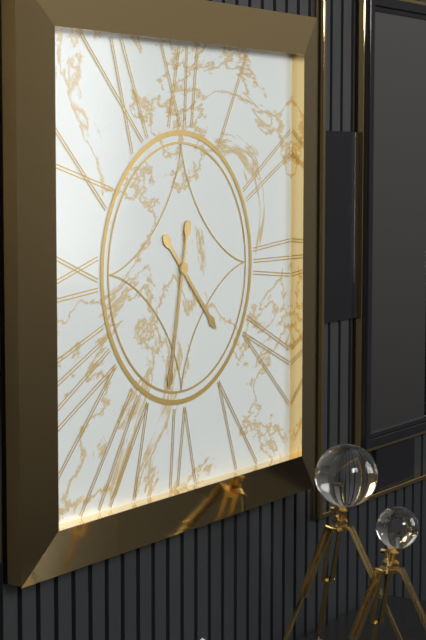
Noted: 4h32
